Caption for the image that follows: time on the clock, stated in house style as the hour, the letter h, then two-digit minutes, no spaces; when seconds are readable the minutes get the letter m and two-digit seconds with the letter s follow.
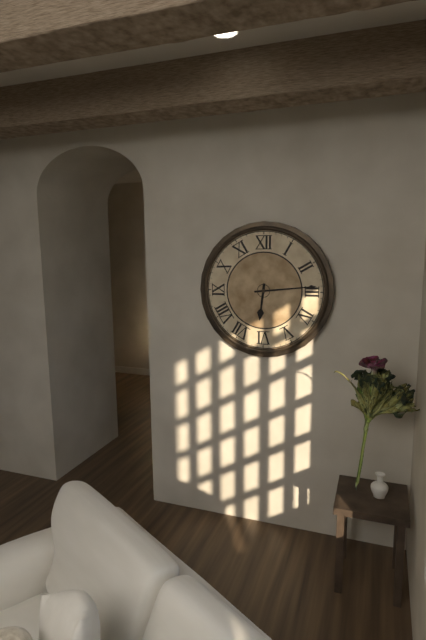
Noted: 6h14
